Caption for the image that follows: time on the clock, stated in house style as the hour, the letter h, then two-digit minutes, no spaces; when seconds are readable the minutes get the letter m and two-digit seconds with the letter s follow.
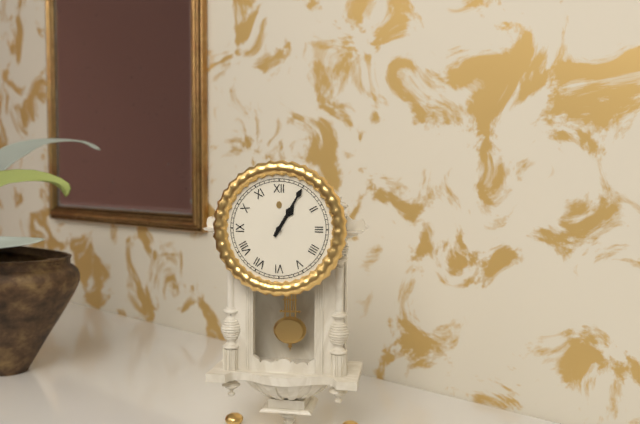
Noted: 1h05
